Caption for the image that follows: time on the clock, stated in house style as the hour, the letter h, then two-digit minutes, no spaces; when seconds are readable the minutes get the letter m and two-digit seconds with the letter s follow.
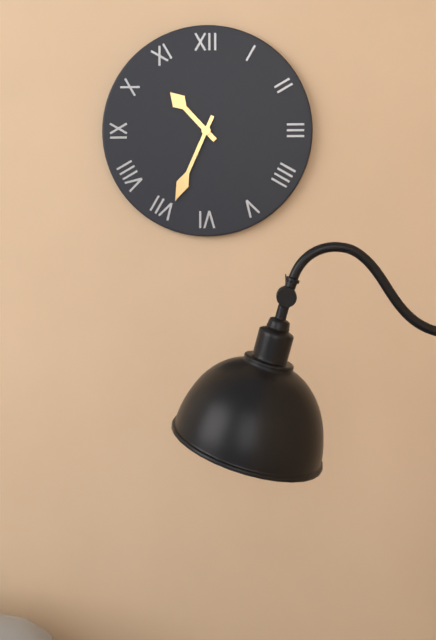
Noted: 10h34
